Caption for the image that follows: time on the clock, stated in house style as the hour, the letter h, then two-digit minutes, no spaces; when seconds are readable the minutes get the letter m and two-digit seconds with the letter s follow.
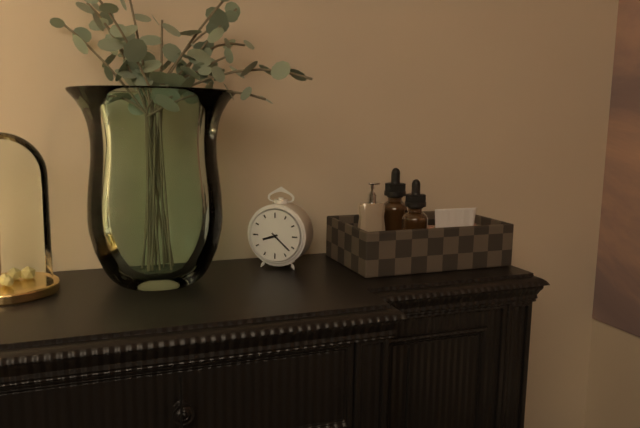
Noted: 8h22
